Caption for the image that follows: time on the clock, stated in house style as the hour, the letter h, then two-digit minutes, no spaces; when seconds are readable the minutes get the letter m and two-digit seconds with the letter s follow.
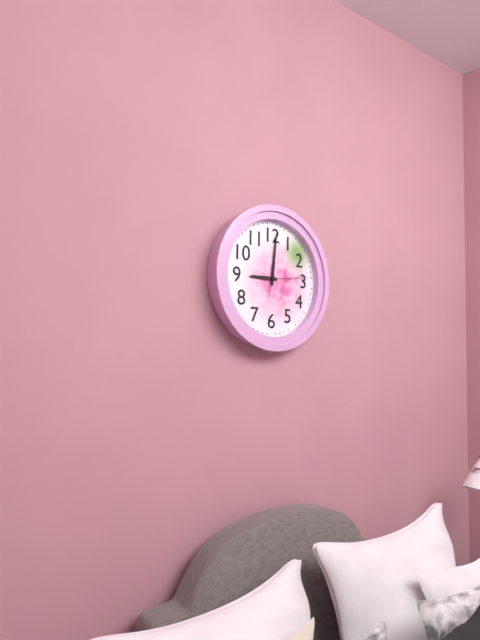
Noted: 9h01
